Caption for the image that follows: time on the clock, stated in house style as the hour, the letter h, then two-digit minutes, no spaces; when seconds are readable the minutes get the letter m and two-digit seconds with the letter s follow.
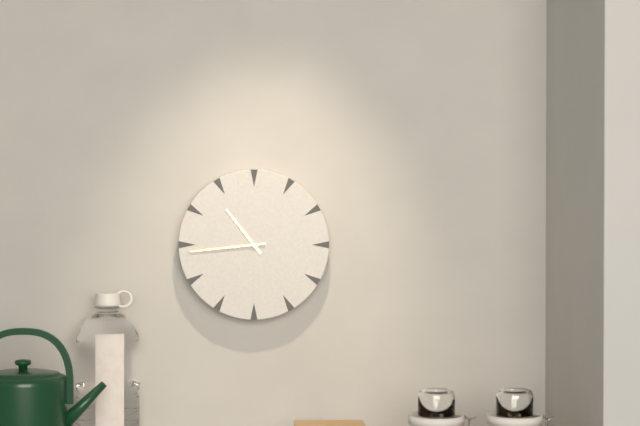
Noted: 10h44
